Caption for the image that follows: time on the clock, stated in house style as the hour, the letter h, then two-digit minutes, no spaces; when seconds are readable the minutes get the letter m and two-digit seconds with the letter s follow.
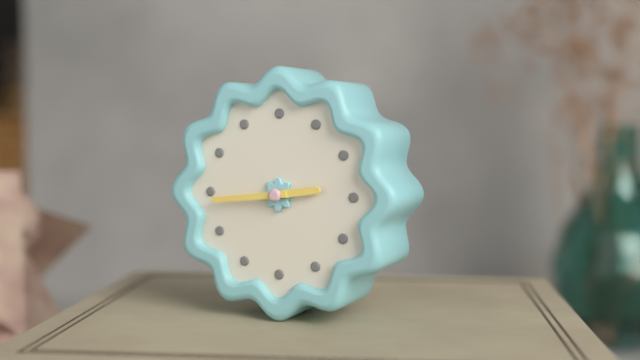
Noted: 2h44
